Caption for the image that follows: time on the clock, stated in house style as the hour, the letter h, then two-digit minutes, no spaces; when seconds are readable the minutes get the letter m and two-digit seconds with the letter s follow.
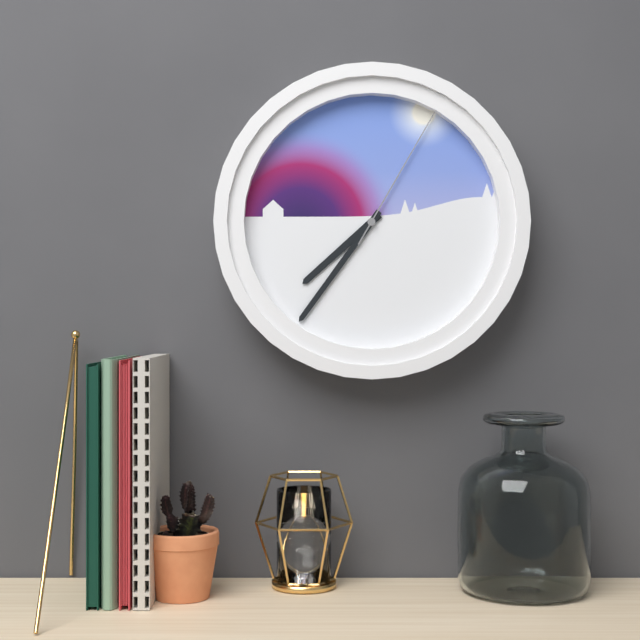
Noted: 7h36m05s
